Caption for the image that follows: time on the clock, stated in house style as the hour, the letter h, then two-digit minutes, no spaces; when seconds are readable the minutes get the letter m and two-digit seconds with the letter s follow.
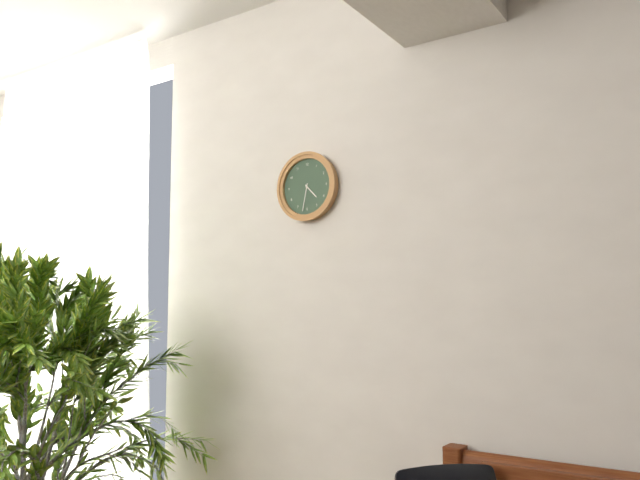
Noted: 4h32
